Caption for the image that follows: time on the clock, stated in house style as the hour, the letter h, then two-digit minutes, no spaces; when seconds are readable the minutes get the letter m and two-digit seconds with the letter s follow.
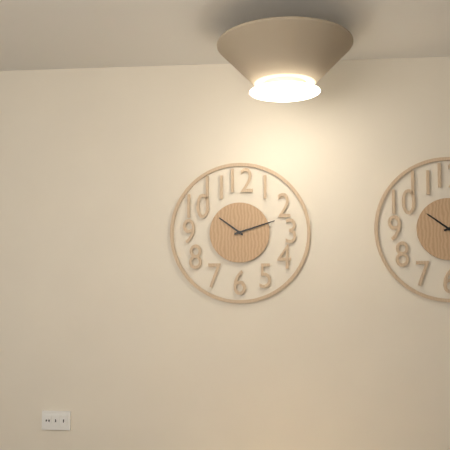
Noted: 10h12
